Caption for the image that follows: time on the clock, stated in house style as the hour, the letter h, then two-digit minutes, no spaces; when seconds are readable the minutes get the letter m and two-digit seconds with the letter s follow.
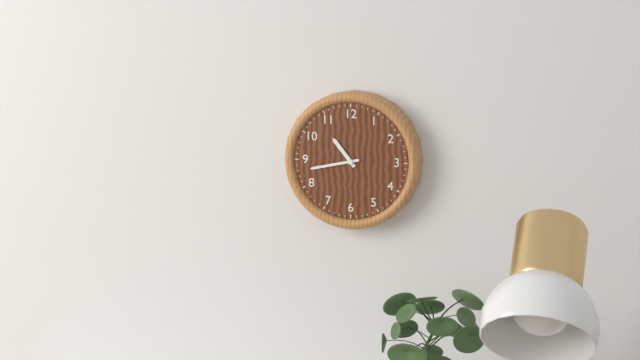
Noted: 10h43
